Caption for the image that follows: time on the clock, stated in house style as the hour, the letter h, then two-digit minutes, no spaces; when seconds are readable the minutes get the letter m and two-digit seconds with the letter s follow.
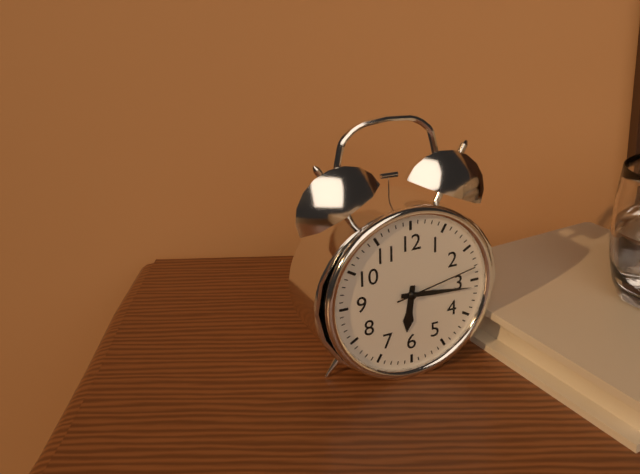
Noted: 6h16m13s
